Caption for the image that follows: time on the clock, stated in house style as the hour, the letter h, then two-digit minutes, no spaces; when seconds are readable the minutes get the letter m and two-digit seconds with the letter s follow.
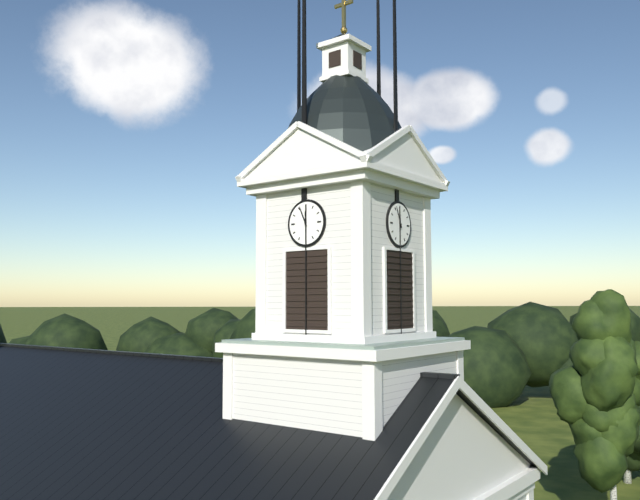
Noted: 11h56
